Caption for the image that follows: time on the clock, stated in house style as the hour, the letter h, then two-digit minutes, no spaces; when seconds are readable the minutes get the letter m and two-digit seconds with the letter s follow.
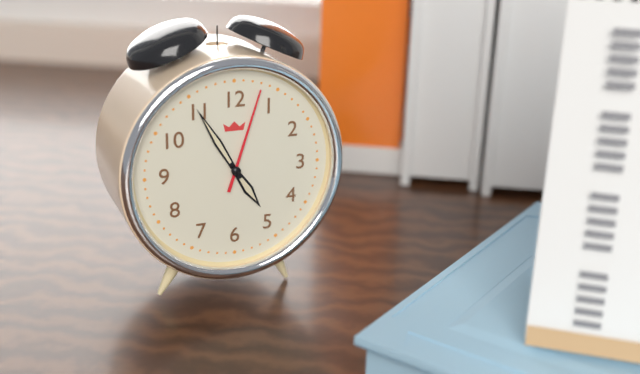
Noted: 4h55m03s
